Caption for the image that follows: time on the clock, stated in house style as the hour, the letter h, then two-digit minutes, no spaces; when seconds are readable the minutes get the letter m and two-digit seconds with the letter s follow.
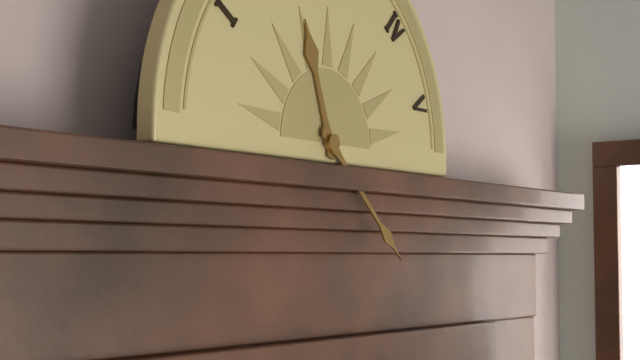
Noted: 11h22
